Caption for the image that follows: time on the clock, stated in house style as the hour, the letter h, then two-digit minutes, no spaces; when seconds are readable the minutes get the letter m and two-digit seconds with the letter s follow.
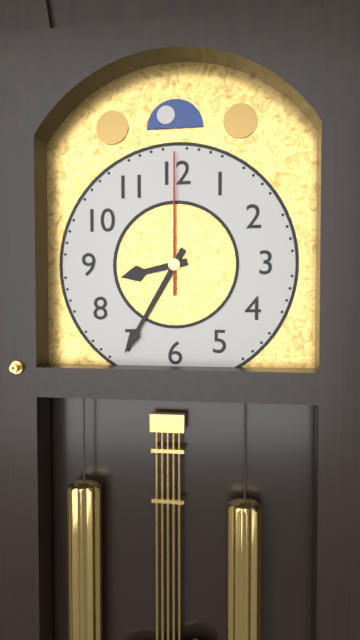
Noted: 8h35m00s
